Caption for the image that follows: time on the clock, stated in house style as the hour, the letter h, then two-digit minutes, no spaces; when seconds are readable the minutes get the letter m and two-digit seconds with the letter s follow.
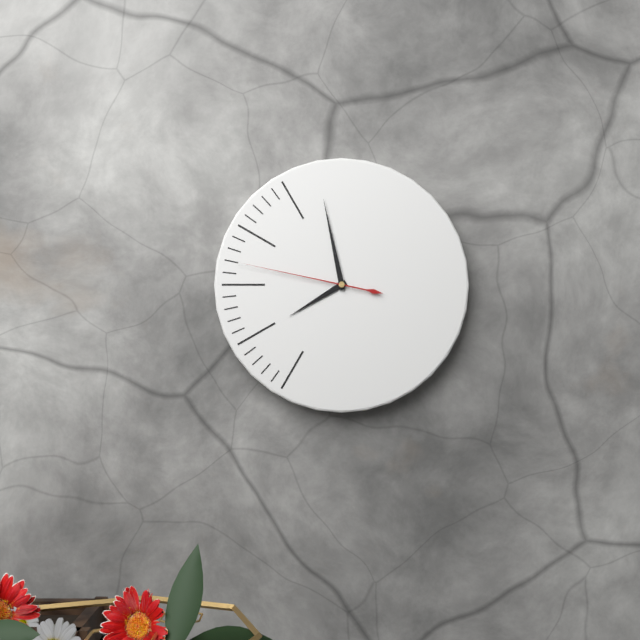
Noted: 7h58m47s
